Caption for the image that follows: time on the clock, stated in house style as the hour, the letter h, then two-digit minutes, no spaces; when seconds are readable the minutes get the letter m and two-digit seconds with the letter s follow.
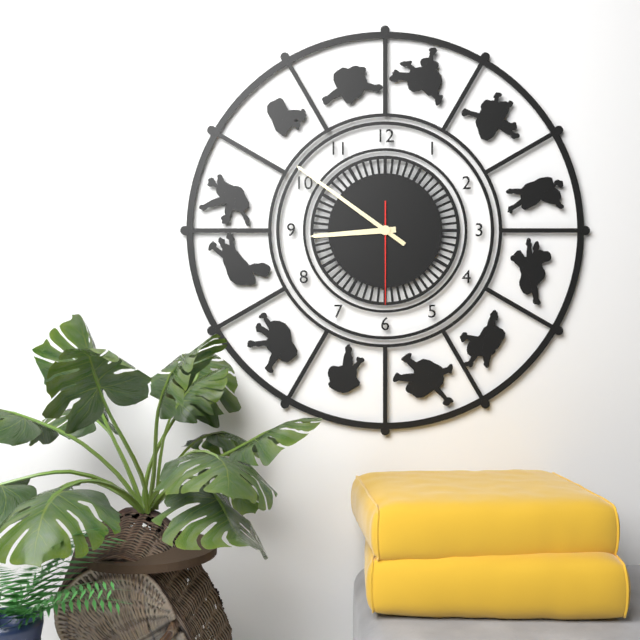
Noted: 8h51m30s
